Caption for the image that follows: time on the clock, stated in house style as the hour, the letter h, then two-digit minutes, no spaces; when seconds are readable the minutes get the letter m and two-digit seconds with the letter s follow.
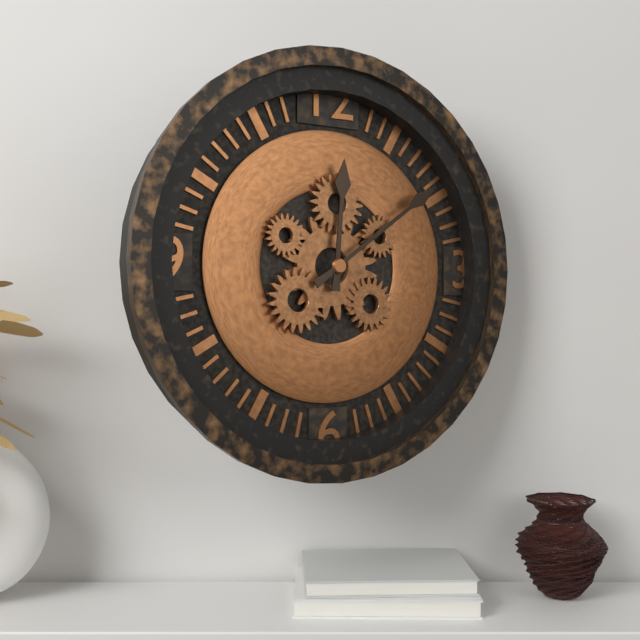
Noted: 12h09
